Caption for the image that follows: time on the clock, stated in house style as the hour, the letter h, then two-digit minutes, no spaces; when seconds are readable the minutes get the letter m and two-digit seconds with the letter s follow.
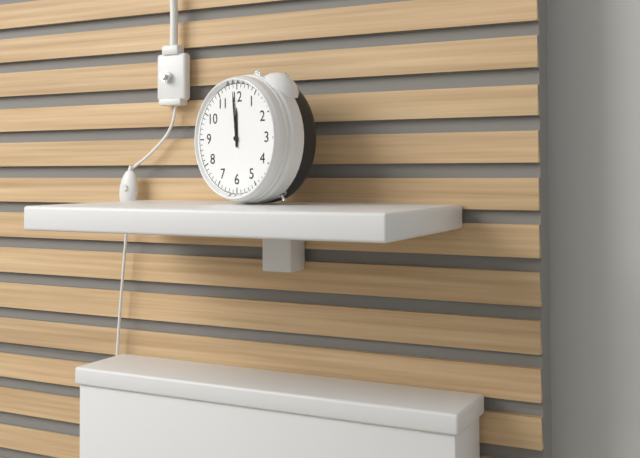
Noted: 11h59
